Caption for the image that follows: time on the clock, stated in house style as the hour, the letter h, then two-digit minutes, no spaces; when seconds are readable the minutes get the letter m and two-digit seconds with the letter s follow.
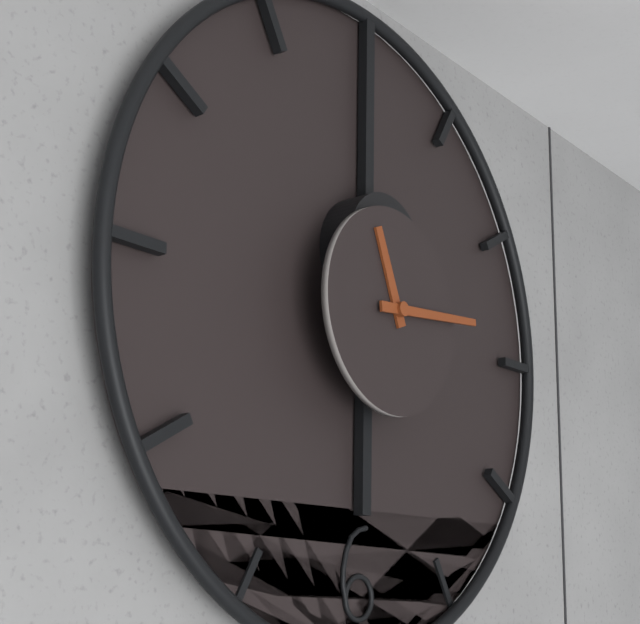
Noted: 11h14
